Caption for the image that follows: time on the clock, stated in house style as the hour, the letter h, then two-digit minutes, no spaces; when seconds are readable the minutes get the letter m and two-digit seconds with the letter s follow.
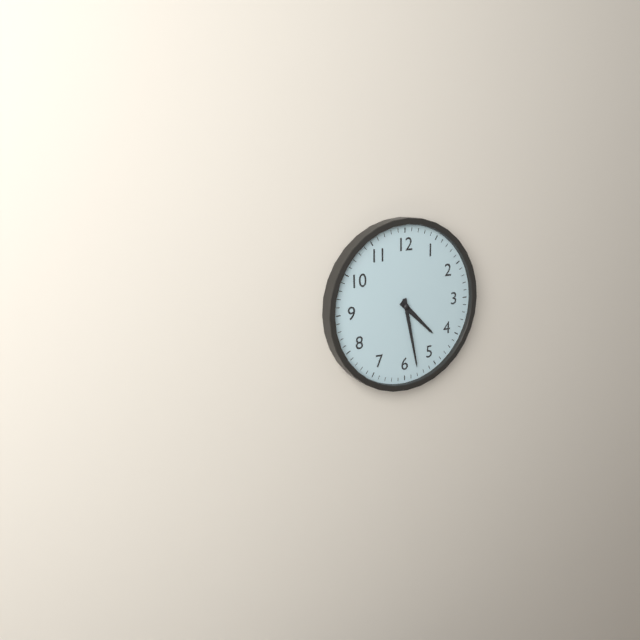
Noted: 4h28
